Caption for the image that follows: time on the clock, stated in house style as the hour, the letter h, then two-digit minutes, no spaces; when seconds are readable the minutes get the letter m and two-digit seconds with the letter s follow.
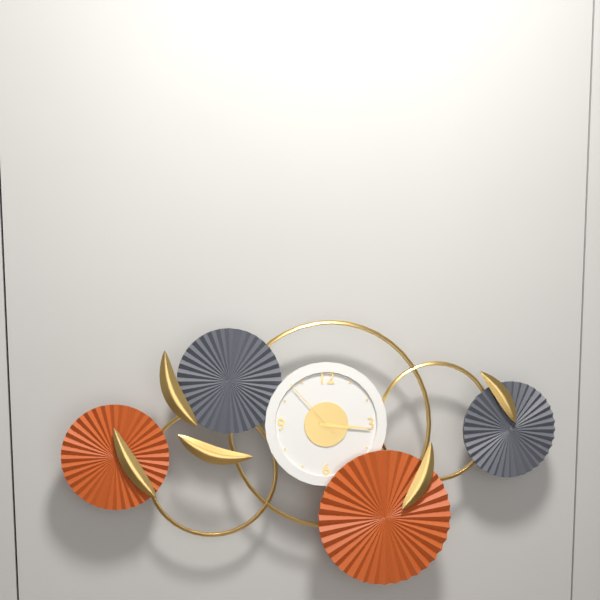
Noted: 3h16m53s
